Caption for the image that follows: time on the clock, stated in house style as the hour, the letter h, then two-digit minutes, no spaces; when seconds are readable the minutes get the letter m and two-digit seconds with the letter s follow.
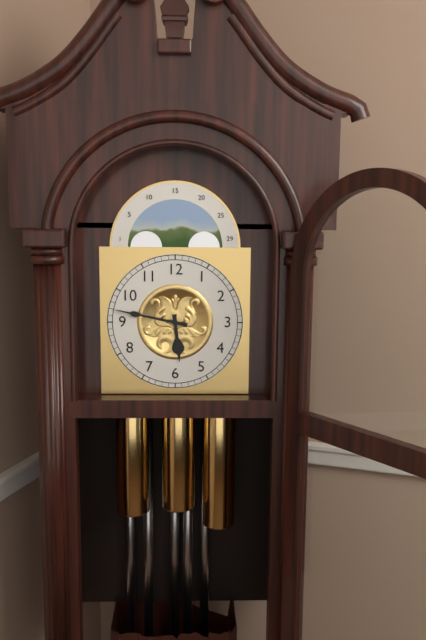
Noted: 5h47
